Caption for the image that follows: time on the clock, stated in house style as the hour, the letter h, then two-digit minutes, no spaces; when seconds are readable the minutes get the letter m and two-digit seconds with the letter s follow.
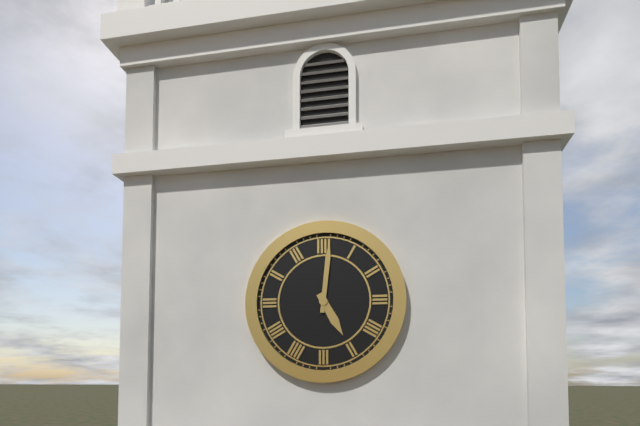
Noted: 5h01
